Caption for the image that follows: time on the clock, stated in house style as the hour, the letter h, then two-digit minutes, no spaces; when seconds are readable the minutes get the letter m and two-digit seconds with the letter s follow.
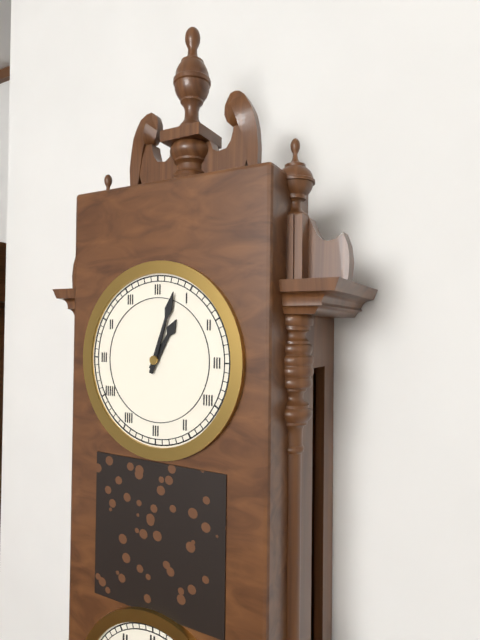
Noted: 1h03
